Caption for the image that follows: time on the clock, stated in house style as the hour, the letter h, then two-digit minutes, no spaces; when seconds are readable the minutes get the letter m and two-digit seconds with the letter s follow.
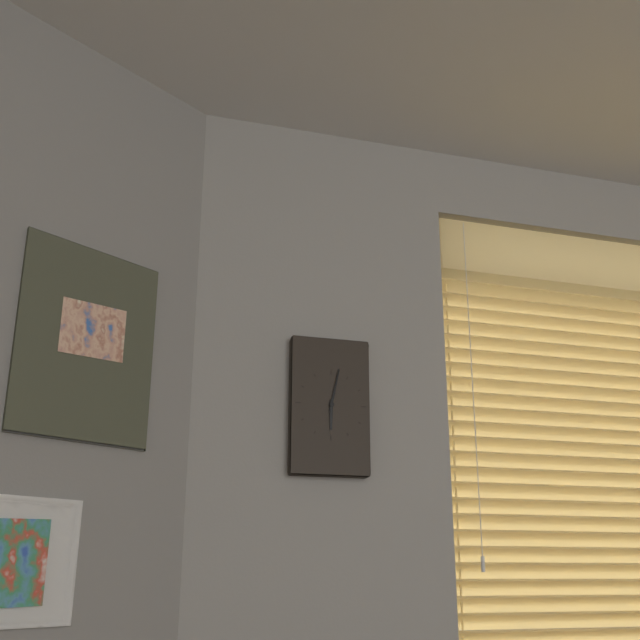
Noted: 6h02
